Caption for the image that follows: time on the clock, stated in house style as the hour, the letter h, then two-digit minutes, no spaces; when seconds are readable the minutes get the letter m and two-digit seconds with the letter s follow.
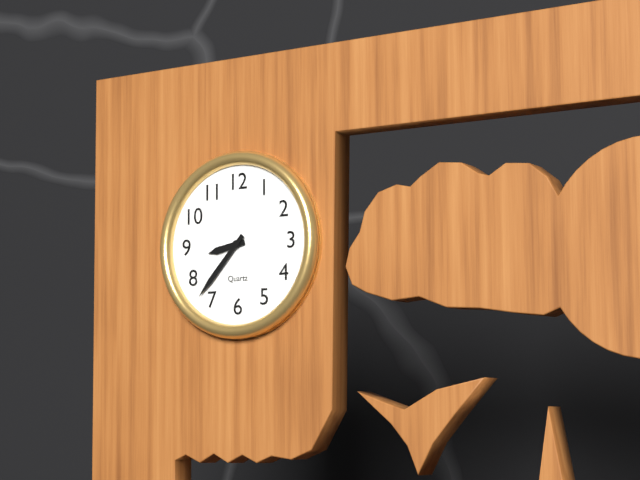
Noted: 8h37
